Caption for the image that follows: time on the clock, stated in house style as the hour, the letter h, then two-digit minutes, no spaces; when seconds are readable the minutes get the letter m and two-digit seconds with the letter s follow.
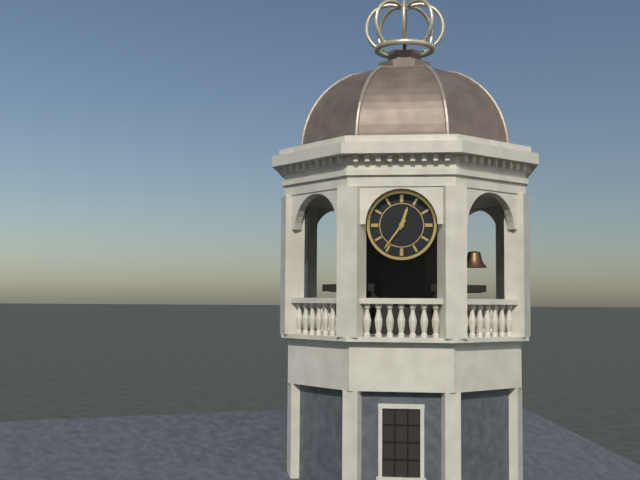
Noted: 12h36
